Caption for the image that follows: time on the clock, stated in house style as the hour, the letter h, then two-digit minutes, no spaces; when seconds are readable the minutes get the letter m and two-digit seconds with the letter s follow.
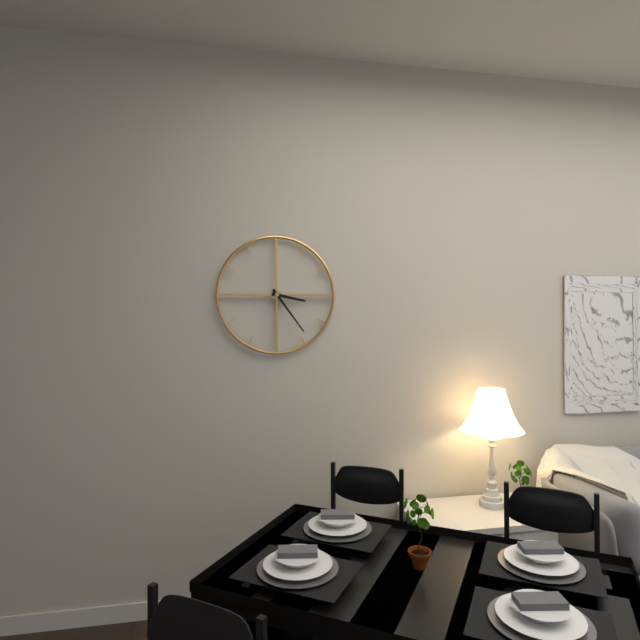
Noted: 3h24
